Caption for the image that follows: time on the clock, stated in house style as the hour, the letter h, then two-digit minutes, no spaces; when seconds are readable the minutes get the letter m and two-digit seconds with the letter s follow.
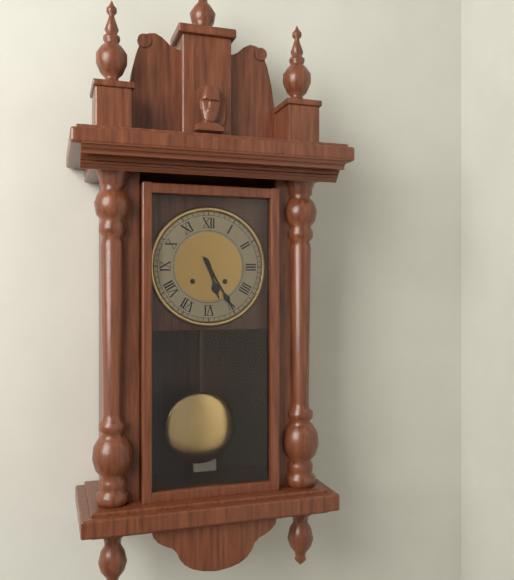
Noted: 5h25
